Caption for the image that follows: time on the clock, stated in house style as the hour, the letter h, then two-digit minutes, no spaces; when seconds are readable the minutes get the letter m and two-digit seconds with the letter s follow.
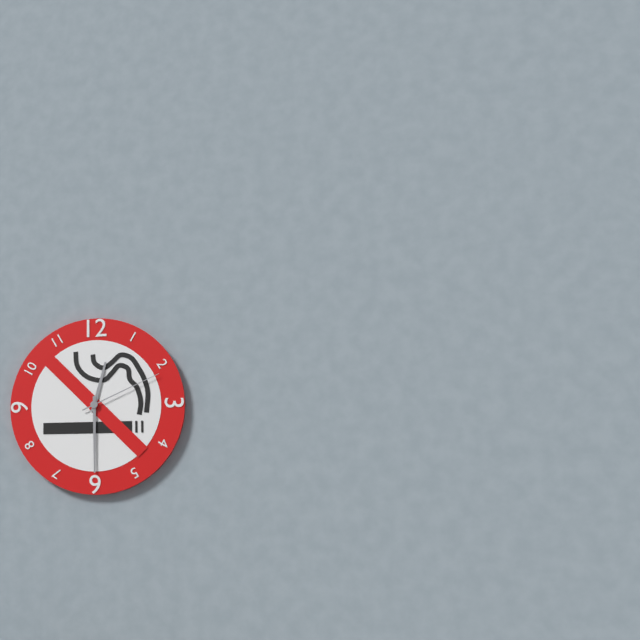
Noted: 12h30m11s
